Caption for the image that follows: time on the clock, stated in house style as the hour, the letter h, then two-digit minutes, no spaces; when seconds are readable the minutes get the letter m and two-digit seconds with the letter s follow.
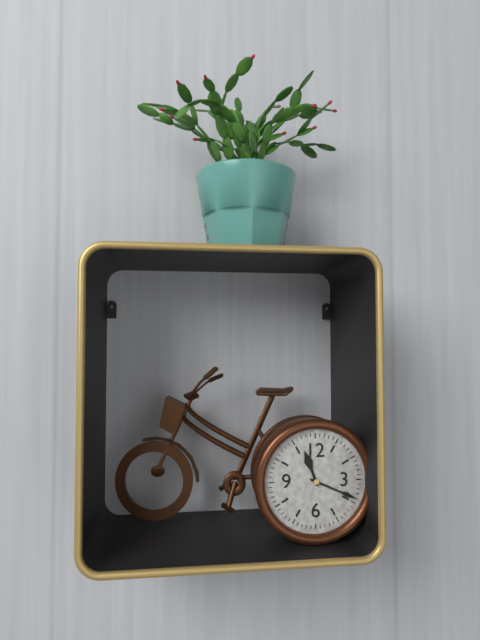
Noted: 11h19
